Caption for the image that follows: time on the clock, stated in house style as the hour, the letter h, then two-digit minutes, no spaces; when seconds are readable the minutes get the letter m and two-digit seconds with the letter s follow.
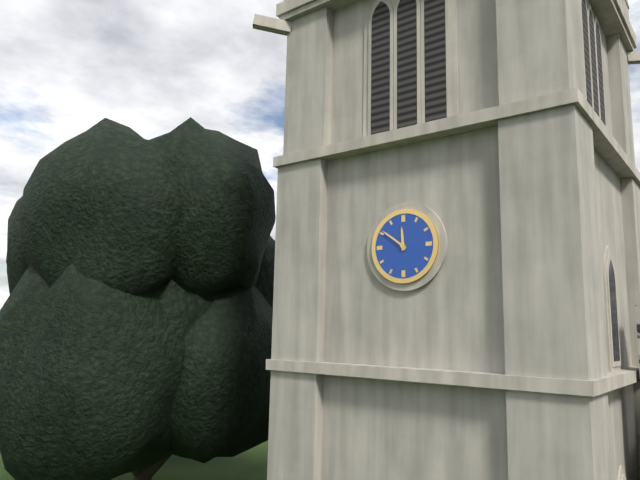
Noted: 11h51
